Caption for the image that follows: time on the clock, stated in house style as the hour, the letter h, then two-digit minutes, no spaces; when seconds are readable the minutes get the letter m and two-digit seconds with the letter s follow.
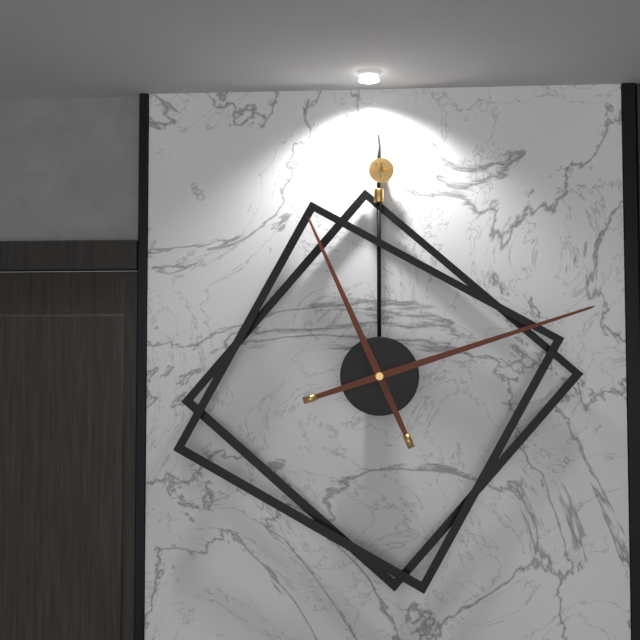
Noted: 11h12
